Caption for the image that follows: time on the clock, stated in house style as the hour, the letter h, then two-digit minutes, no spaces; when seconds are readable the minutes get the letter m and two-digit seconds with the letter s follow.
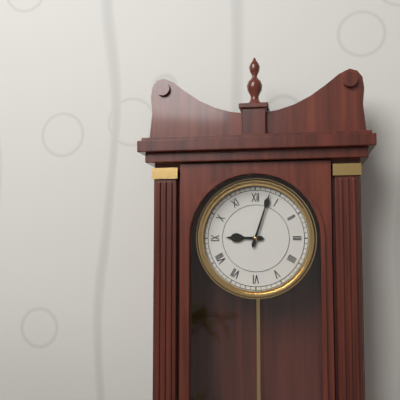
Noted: 9h03
